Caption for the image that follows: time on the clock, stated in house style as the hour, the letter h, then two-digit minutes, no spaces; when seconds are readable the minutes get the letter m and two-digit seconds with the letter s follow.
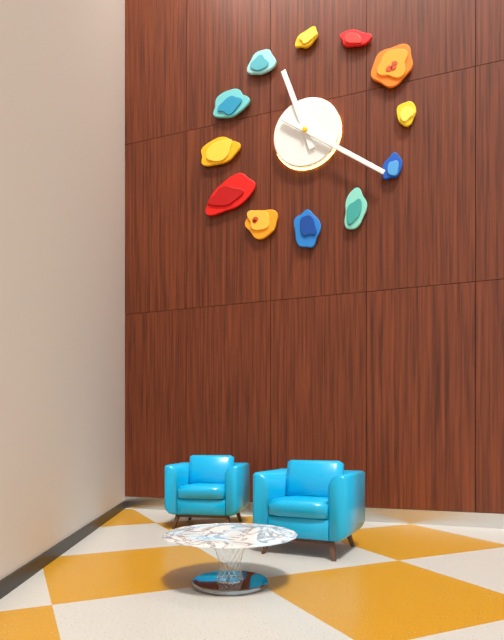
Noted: 11h21
